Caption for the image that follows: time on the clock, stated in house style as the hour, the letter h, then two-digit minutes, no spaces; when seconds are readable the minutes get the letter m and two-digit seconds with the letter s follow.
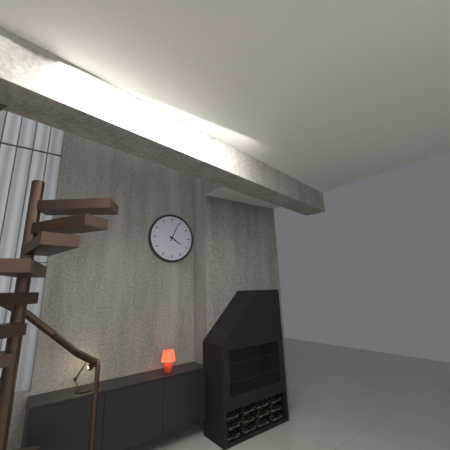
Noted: 4h04
